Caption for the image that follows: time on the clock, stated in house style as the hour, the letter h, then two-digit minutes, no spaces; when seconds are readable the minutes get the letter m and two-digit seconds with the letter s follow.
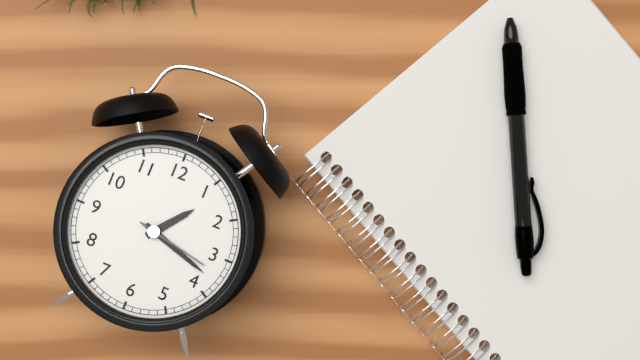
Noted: 1h18m17s
